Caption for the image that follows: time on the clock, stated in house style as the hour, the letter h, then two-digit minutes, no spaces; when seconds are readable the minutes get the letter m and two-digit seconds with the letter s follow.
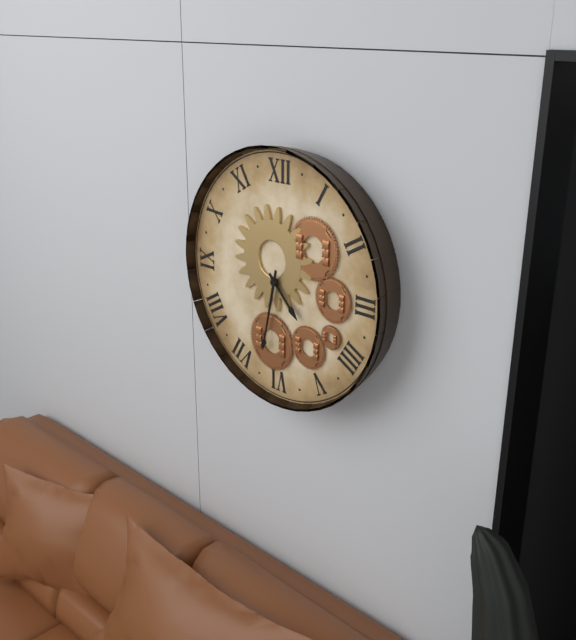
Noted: 4h32
